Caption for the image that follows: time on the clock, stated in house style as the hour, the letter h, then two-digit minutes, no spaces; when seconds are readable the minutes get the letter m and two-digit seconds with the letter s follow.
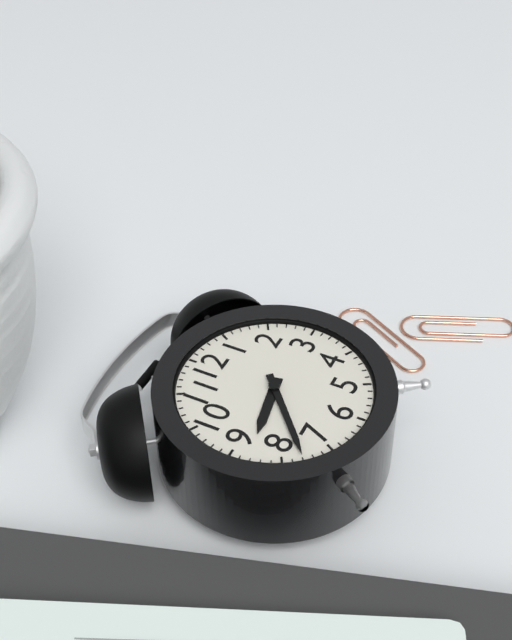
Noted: 8h38
